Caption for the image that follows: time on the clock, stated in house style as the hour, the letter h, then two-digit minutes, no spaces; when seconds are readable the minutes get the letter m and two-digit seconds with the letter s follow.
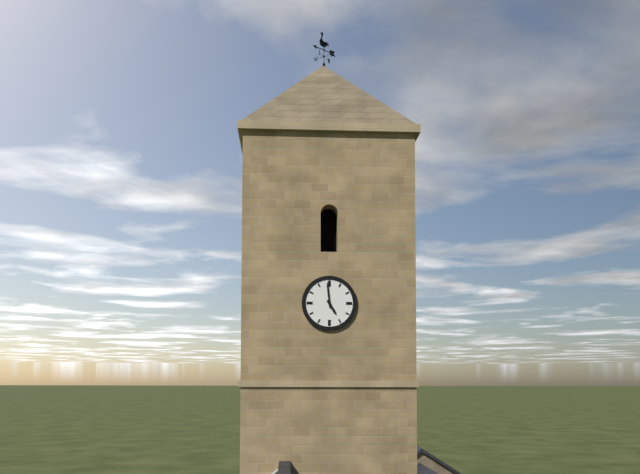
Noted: 4h59
